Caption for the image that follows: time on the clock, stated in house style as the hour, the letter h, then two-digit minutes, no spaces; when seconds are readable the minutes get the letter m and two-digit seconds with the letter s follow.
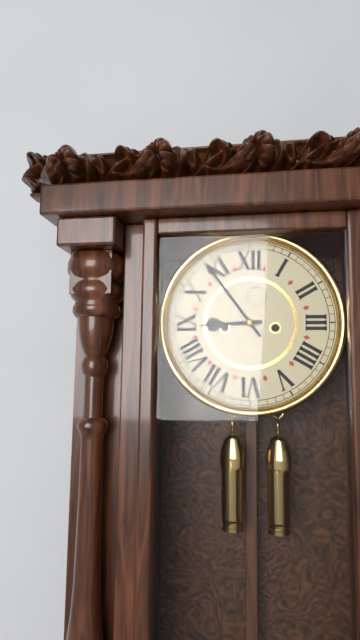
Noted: 8h54
